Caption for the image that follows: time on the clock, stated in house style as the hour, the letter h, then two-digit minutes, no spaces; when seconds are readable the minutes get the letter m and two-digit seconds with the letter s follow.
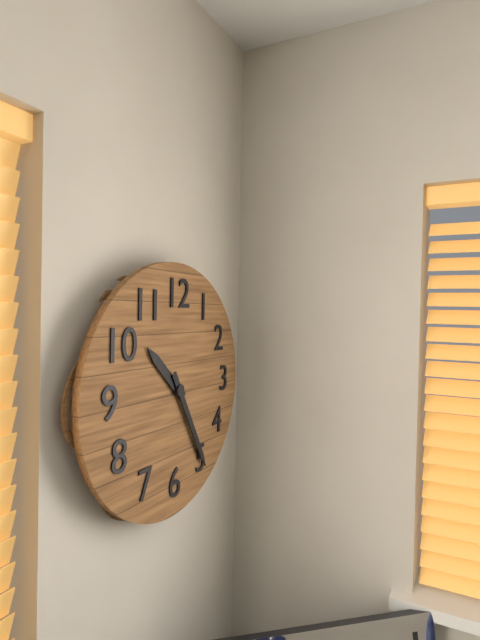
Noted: 10h25
